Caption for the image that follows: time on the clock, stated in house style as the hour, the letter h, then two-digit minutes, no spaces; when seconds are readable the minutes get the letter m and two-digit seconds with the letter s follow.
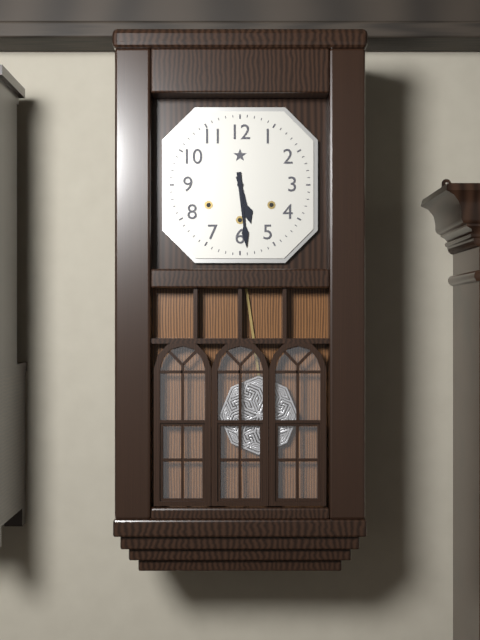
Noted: 5h29
